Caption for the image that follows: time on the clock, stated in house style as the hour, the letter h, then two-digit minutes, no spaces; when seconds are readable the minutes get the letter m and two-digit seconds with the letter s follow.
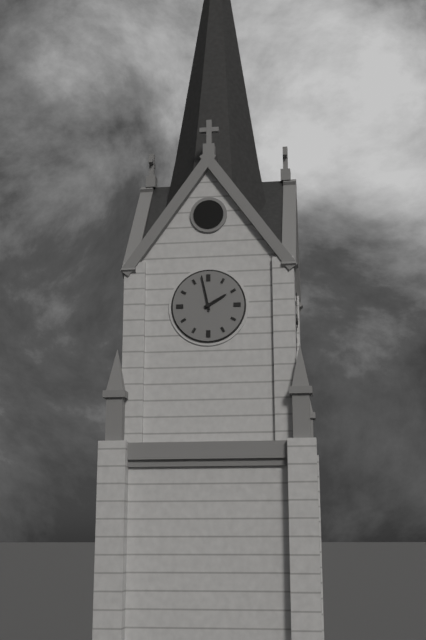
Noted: 1h58
